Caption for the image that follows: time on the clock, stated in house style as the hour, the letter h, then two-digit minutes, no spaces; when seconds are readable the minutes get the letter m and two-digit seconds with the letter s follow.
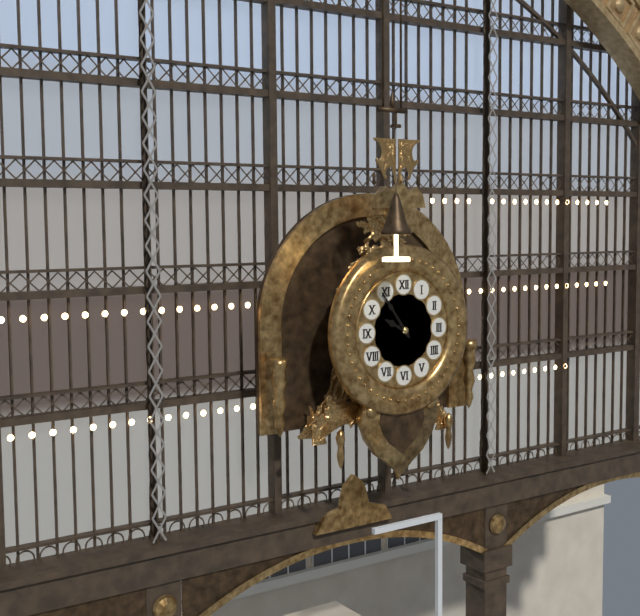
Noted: 9h54
